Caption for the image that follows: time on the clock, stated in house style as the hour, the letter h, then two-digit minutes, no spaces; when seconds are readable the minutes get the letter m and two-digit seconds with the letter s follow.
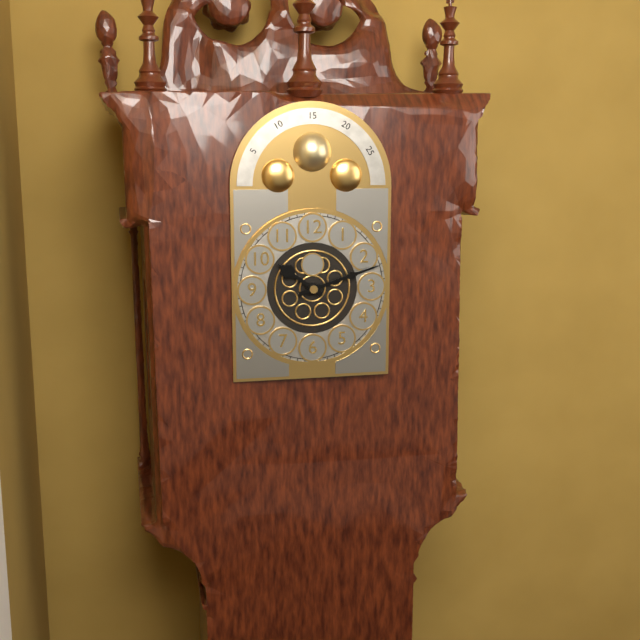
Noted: 10h12
